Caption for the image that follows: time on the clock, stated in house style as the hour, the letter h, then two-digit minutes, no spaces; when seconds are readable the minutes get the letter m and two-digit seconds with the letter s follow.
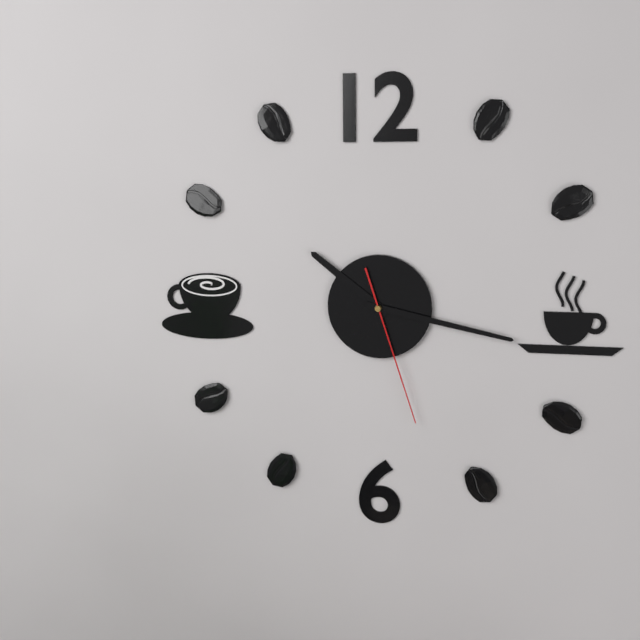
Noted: 10h17m27s
